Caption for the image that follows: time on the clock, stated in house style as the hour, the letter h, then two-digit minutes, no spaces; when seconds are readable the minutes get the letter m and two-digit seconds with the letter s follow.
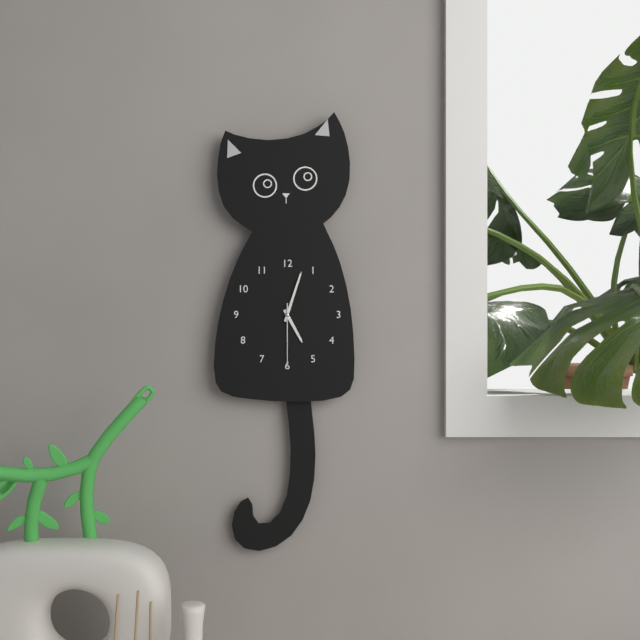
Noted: 5h03m30s
